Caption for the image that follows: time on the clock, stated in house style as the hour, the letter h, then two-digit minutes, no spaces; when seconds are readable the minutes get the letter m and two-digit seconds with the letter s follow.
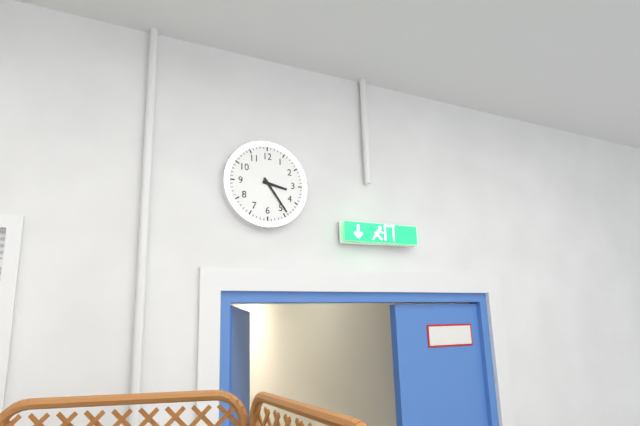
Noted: 3h24
